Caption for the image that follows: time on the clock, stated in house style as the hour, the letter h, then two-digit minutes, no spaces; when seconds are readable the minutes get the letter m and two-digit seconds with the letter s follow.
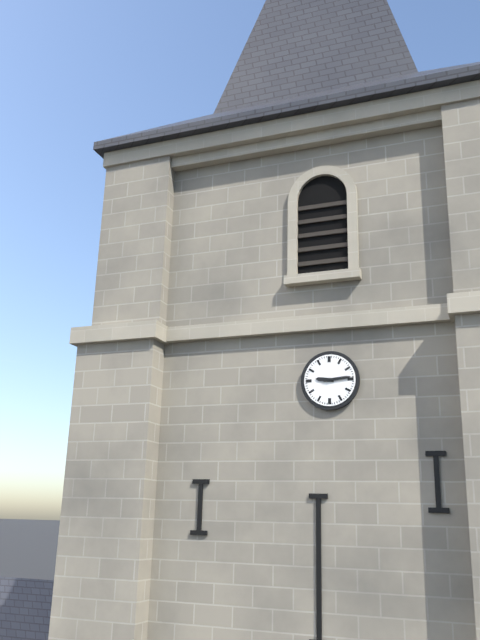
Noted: 9h14
